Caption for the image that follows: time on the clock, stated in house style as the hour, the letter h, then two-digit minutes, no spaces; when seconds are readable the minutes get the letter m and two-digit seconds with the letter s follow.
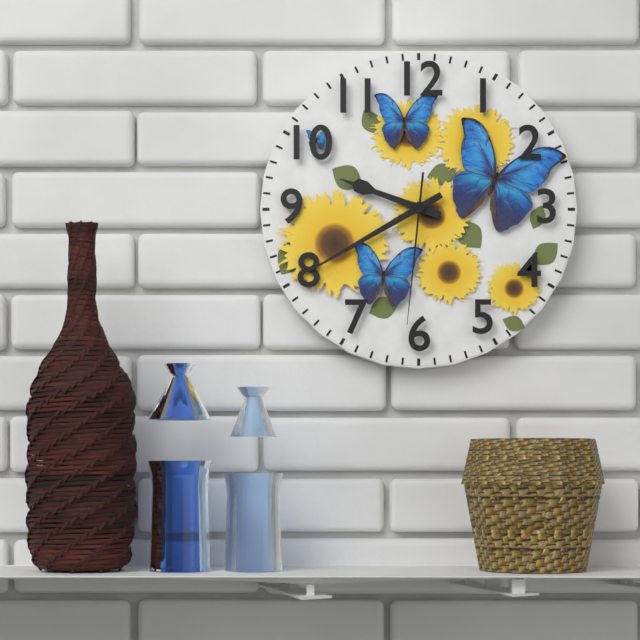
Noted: 9h40m31s
